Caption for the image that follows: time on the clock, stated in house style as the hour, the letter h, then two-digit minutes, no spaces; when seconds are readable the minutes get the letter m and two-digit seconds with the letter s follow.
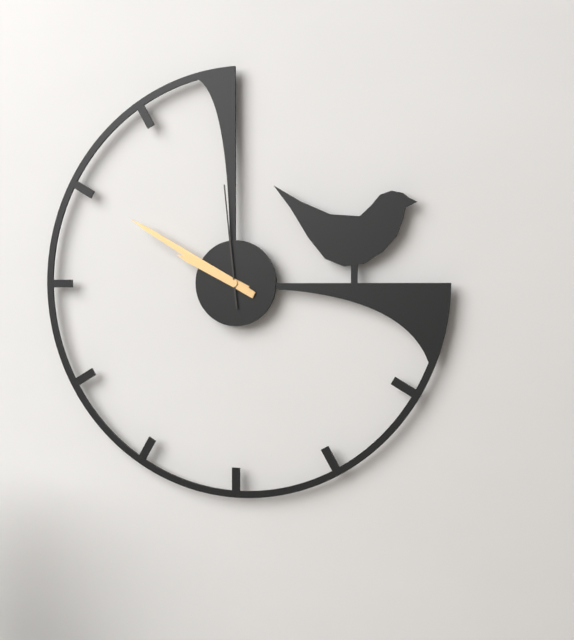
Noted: 9h50m59s
